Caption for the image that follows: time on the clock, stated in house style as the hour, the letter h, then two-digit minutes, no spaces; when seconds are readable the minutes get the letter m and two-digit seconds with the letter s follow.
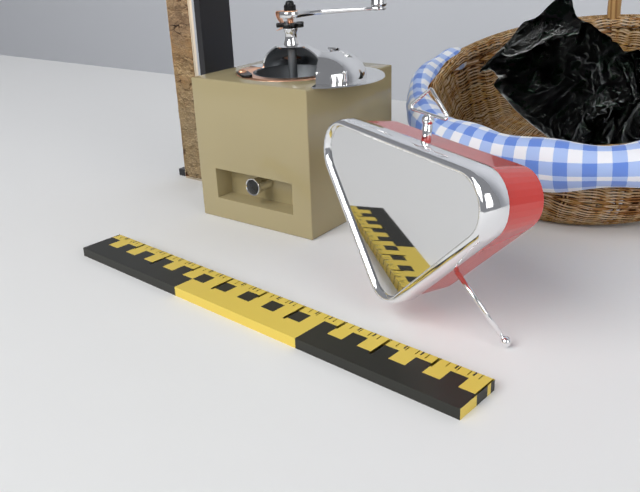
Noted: 3h04m32s
